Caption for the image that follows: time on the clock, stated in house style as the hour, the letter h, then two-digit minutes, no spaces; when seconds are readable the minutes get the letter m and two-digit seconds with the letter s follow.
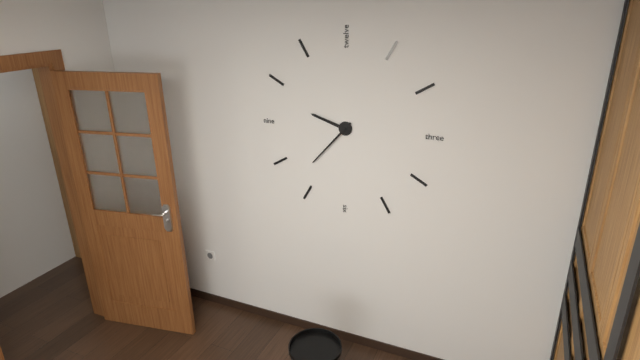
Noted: 9h37
